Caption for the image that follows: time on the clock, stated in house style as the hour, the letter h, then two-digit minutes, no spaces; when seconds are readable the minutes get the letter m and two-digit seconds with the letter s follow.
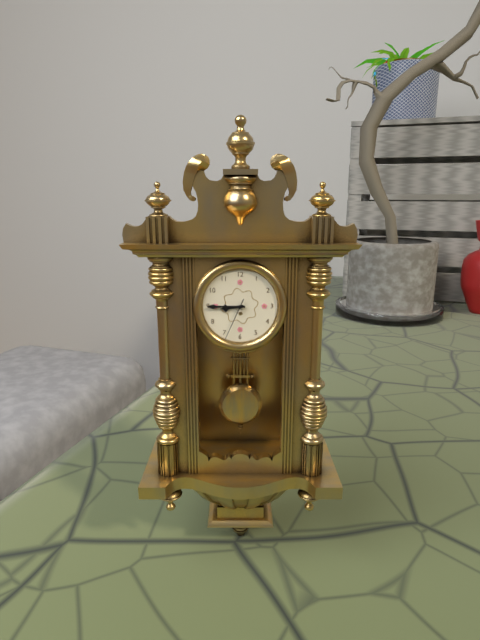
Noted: 8h45
